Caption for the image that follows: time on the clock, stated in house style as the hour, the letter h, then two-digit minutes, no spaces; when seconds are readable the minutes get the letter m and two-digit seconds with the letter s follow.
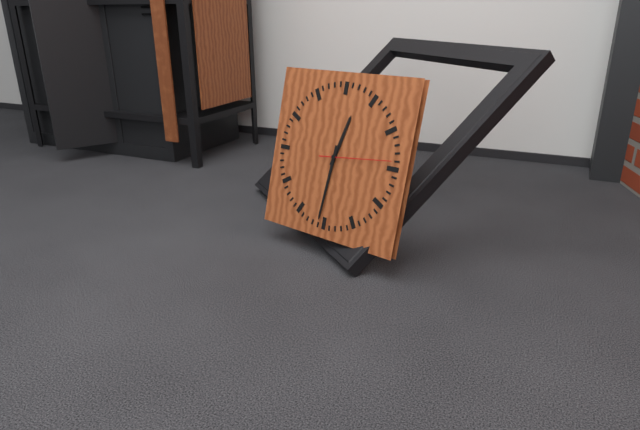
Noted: 12h31m14s
